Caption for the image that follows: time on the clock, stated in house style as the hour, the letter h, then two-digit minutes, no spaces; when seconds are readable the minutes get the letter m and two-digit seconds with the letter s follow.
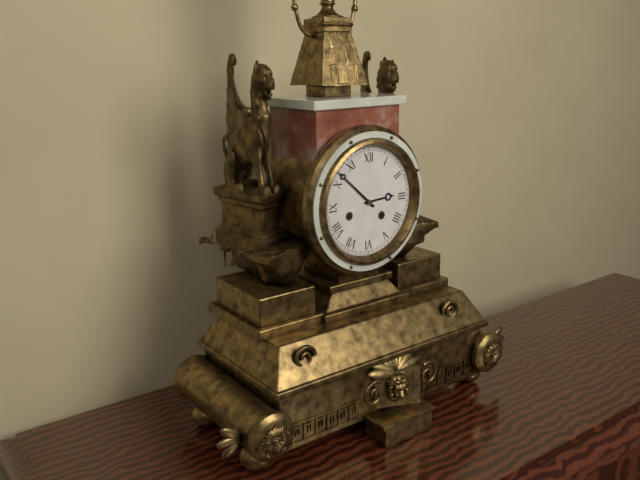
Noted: 2h52
